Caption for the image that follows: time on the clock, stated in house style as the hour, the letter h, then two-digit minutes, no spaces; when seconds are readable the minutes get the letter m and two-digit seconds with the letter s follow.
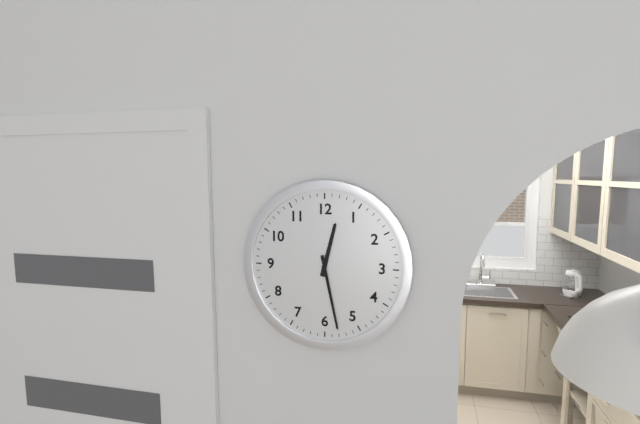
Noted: 12h28
